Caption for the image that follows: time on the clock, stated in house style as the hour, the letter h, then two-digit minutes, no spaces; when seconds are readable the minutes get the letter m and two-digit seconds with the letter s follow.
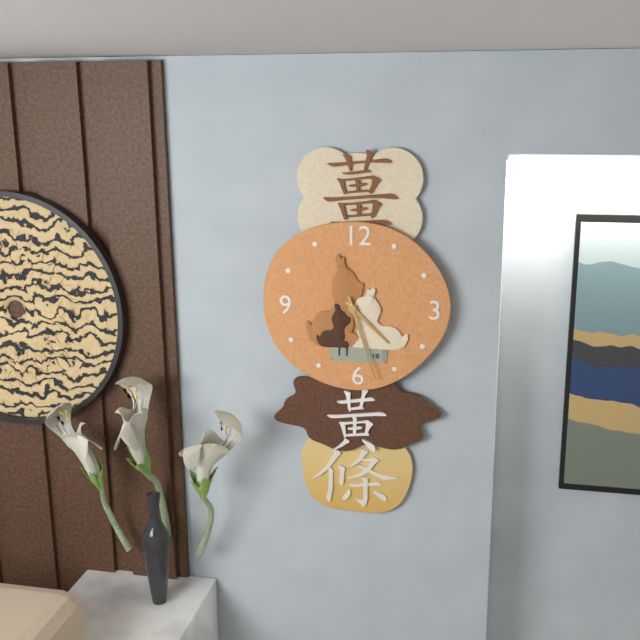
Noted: 4h27
